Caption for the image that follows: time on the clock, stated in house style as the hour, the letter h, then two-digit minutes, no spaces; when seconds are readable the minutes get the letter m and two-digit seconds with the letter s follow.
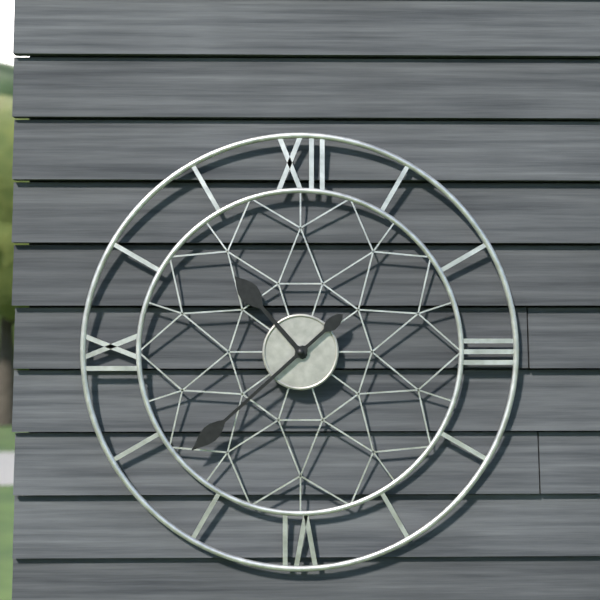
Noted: 10h38
